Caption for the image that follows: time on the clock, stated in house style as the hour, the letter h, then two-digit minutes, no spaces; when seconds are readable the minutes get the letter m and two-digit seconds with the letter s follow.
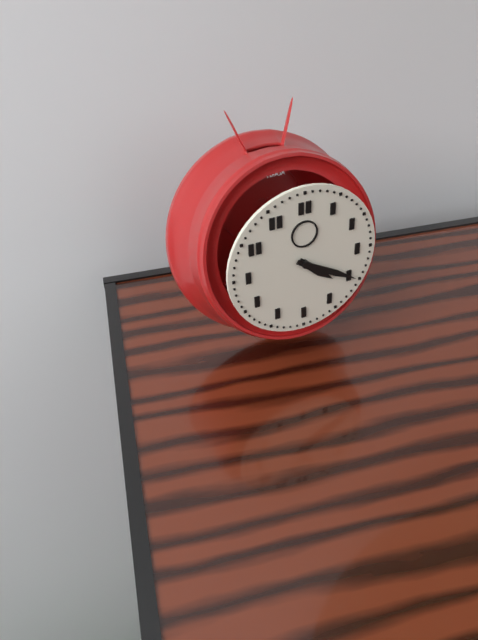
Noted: 4h20
